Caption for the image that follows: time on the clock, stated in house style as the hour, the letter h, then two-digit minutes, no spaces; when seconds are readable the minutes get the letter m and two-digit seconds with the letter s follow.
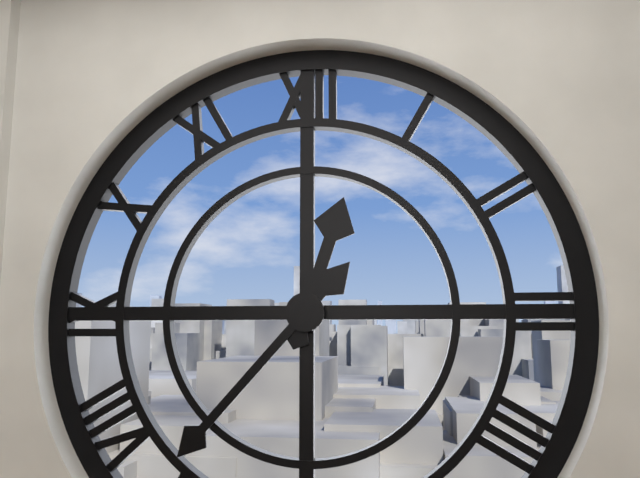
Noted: 12h37
